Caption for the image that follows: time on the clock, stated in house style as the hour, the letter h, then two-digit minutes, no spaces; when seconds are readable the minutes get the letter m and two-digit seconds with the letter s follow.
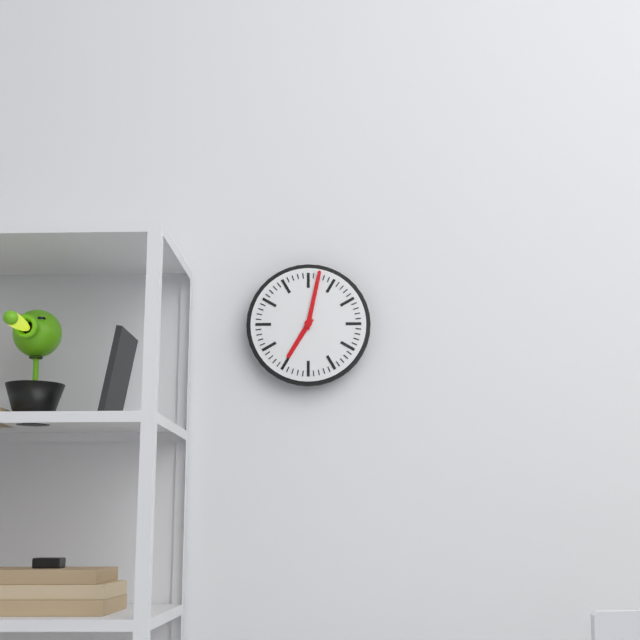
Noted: 7h02
